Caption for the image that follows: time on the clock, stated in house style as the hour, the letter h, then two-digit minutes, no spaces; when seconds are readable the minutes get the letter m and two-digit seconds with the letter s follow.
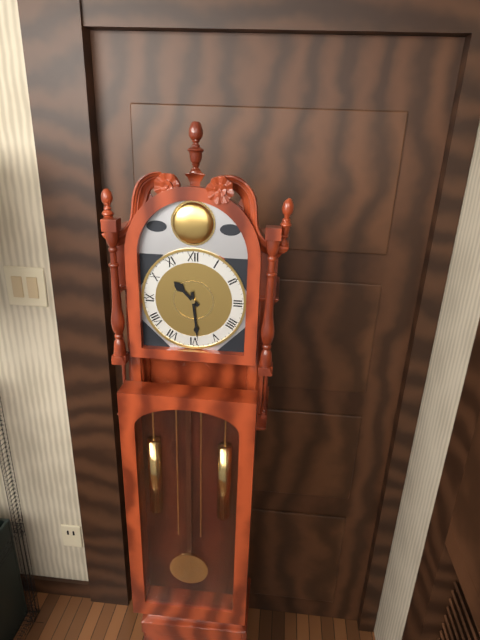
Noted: 10h29
